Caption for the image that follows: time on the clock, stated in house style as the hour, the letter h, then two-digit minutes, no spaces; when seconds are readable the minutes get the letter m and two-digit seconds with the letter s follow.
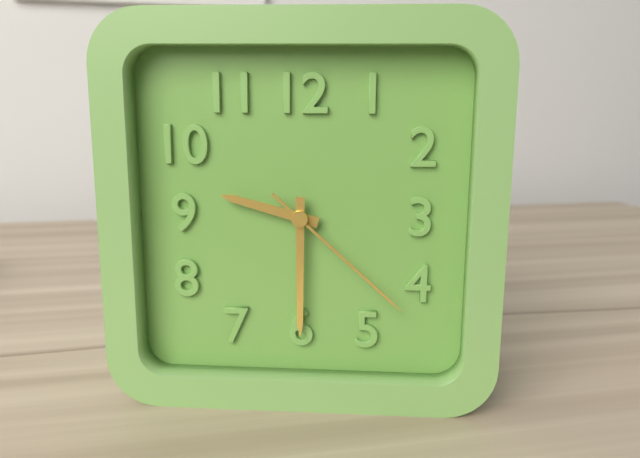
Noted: 9h30m22s
